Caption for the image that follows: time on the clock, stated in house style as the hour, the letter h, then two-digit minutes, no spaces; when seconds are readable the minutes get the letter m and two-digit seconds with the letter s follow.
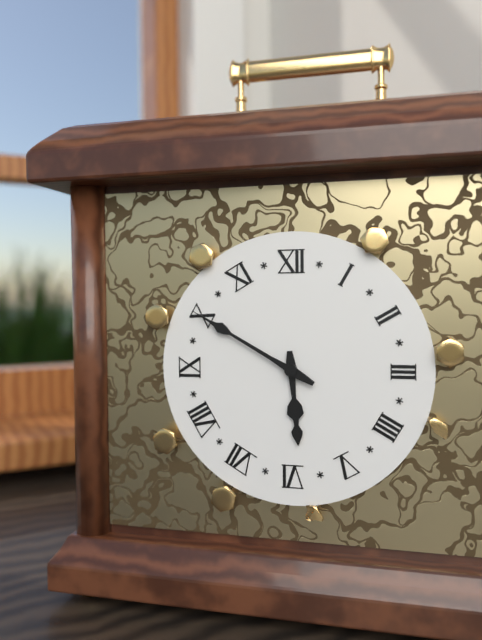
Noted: 5h50
